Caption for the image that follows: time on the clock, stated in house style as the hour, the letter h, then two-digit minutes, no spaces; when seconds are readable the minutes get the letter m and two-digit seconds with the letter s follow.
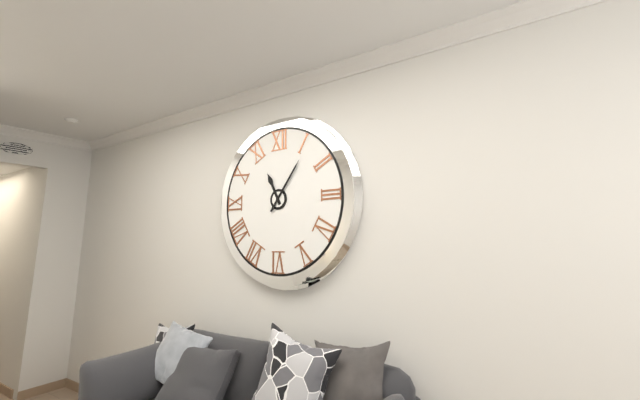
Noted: 11h06
